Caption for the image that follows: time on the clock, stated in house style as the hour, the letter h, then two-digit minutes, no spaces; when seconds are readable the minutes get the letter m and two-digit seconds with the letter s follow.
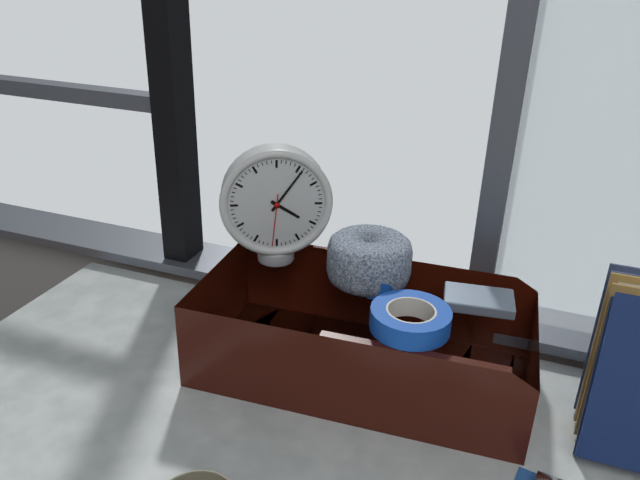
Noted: 4h06m31s
